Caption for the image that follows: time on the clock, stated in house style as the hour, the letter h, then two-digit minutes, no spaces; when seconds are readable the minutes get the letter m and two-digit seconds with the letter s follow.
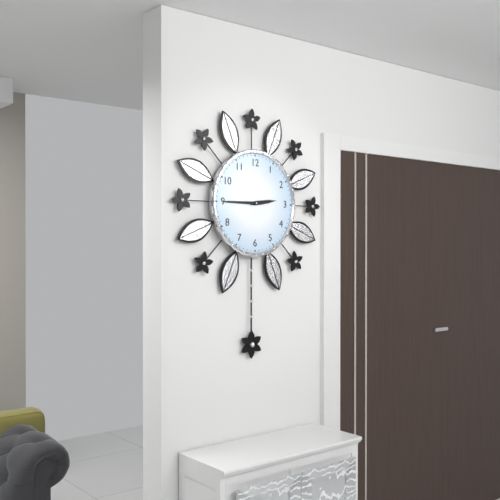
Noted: 2h45
